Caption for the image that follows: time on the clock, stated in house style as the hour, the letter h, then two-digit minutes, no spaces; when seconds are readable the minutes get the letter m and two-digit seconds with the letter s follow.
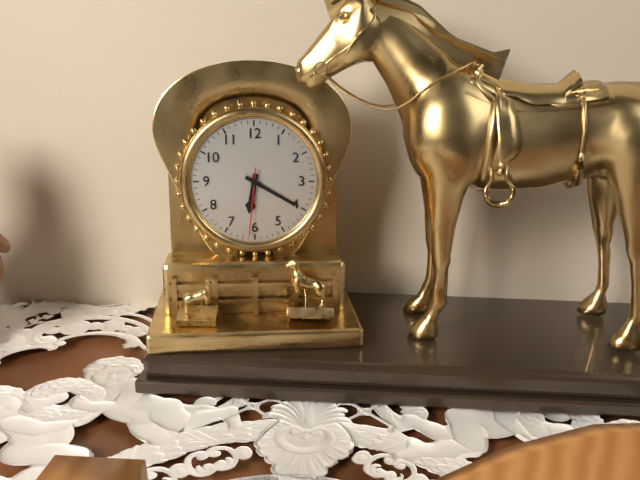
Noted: 6h20m31s
